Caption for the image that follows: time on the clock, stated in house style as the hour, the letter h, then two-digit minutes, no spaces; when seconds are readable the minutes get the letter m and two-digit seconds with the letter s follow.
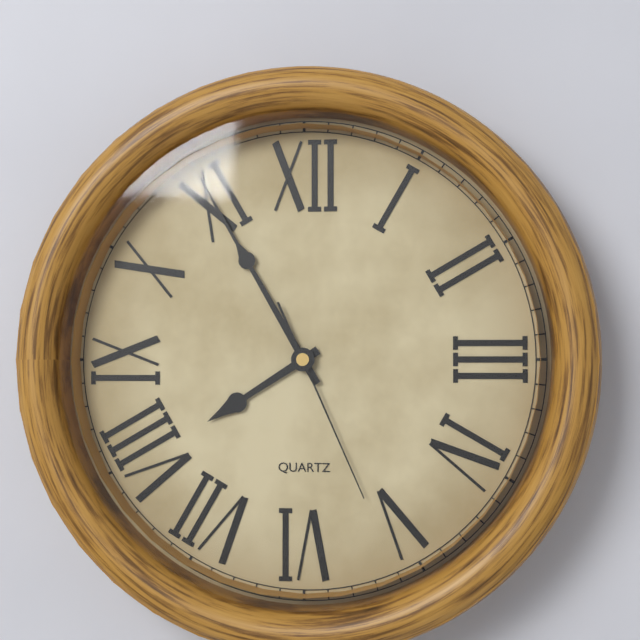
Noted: 7h55m26s
